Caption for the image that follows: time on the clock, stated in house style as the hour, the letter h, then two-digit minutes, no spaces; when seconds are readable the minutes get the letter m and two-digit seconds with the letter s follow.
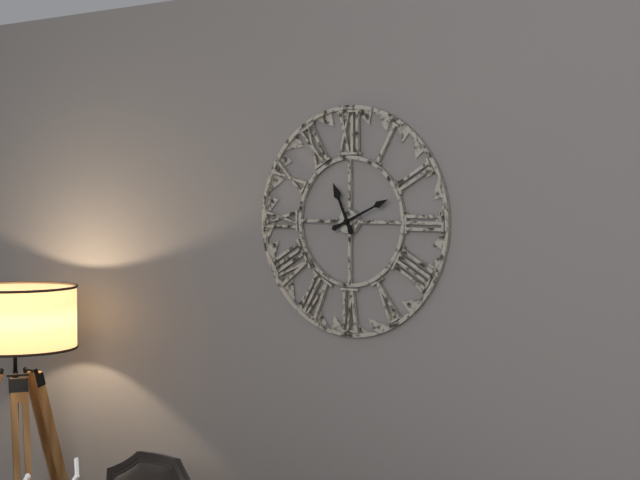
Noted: 11h11
